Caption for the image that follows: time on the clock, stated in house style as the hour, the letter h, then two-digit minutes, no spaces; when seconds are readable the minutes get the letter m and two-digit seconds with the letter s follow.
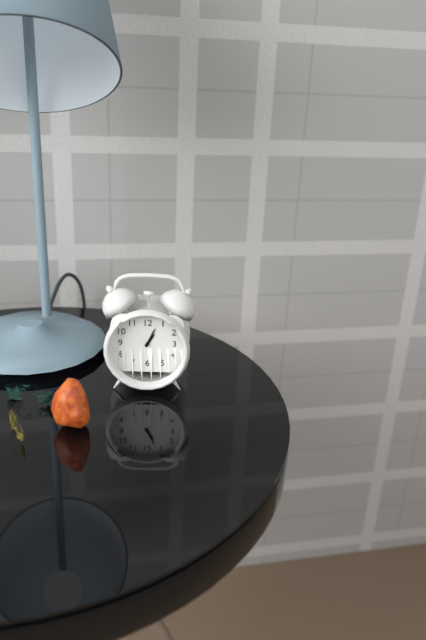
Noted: 1h04
